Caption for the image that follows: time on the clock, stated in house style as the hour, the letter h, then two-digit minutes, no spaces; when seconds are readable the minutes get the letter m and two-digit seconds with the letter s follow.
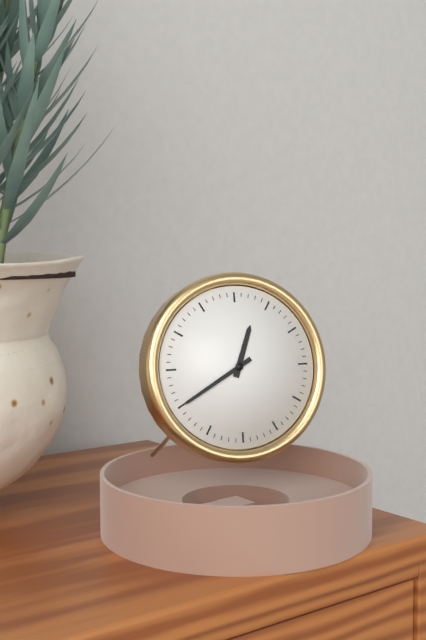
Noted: 12h40
